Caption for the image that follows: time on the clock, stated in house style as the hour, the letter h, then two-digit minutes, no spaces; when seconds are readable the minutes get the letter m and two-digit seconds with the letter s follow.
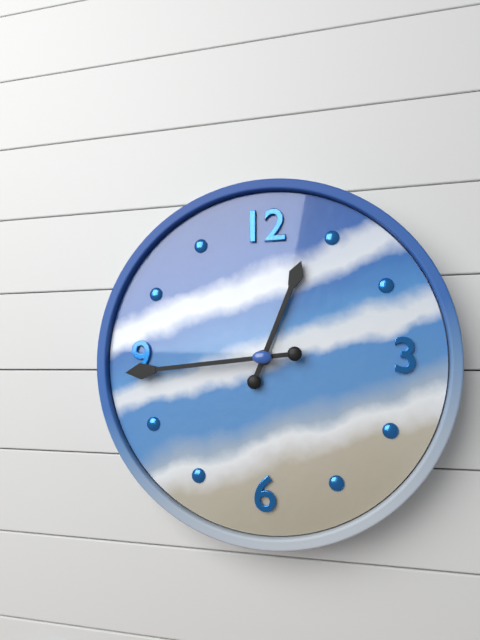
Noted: 12h44
